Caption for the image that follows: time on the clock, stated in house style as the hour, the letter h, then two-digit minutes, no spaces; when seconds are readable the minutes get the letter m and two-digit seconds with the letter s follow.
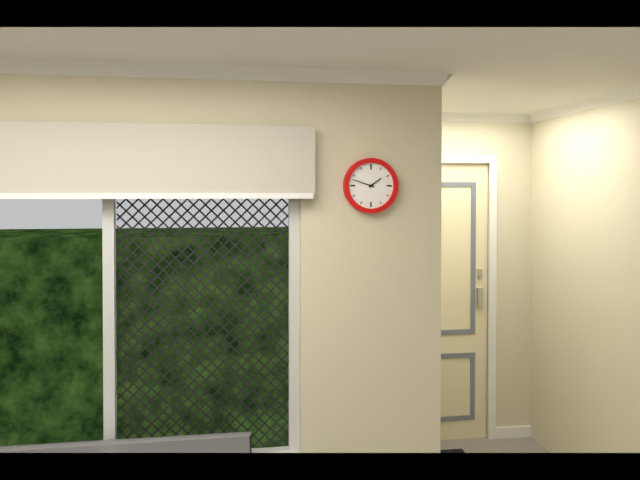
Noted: 1h48
